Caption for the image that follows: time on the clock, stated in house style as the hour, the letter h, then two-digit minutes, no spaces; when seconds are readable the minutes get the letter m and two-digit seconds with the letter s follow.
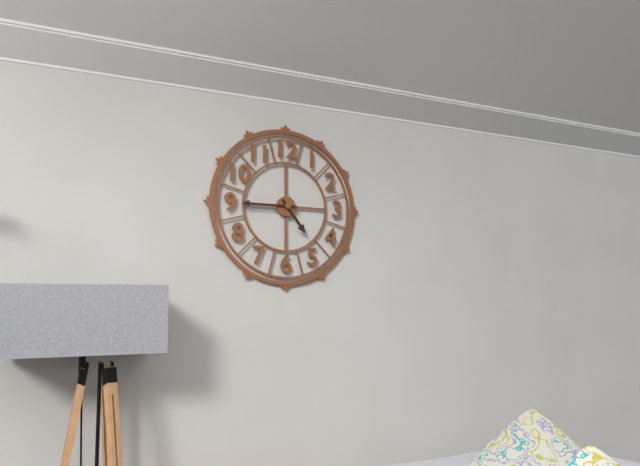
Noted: 4h45
